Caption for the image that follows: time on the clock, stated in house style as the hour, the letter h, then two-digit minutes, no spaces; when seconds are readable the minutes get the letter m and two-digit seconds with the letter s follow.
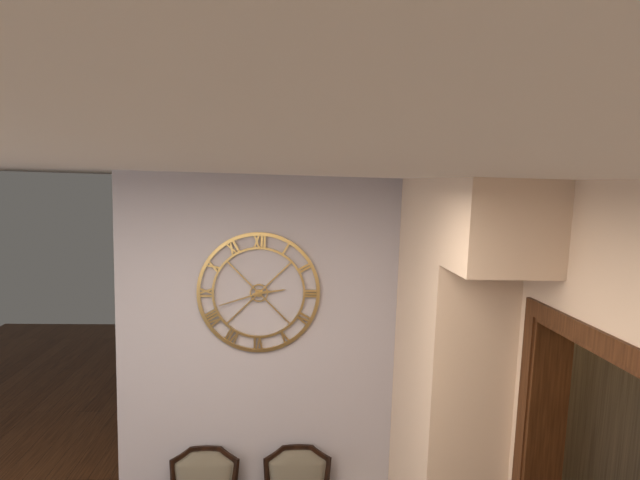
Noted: 2h42
